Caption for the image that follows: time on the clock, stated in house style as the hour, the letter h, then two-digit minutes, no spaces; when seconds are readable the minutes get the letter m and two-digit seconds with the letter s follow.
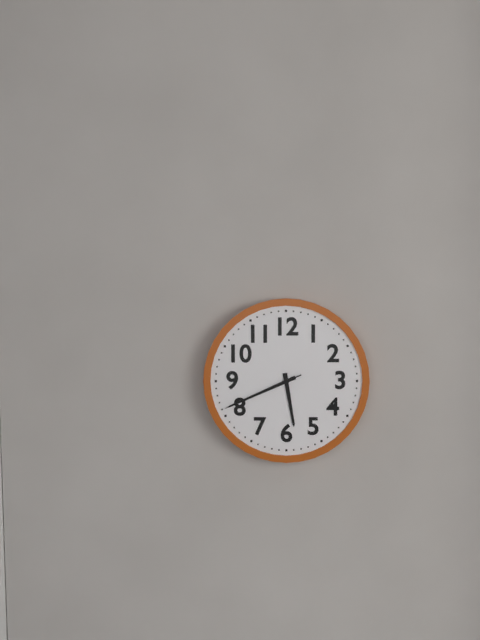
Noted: 5h41m41s
